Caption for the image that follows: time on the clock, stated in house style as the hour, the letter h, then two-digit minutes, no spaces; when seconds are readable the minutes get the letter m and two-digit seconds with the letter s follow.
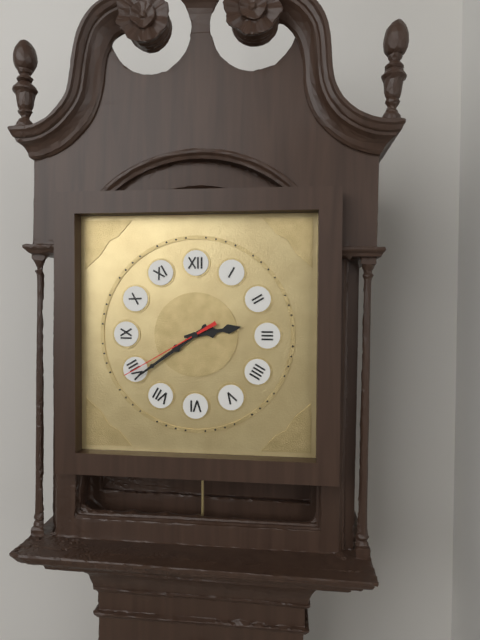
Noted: 2h39m40s
